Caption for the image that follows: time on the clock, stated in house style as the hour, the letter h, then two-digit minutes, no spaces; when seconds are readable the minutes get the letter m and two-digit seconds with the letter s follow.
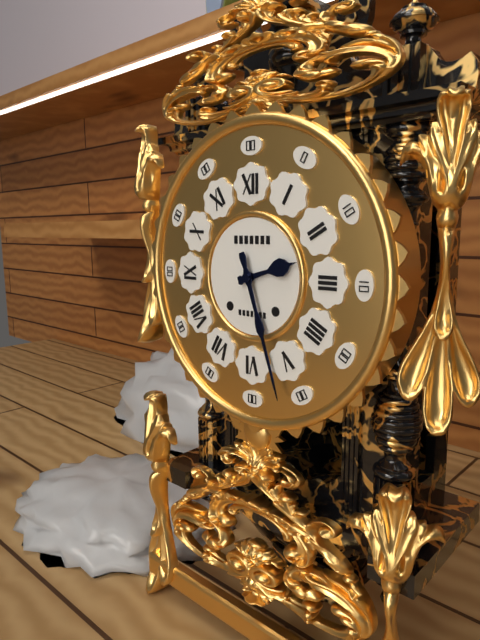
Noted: 2h27
